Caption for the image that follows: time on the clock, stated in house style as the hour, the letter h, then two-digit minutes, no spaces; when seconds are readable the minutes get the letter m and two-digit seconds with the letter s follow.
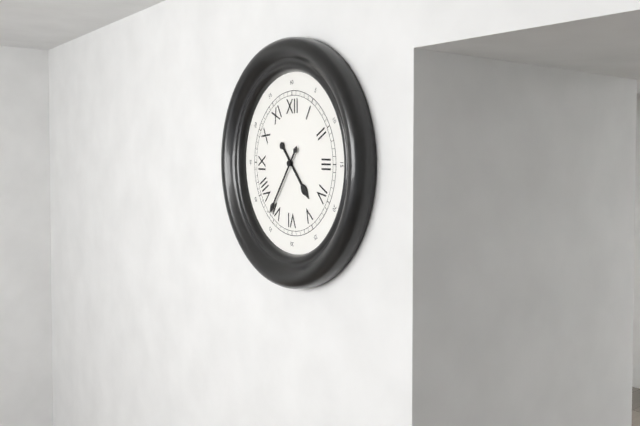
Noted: 4h36
